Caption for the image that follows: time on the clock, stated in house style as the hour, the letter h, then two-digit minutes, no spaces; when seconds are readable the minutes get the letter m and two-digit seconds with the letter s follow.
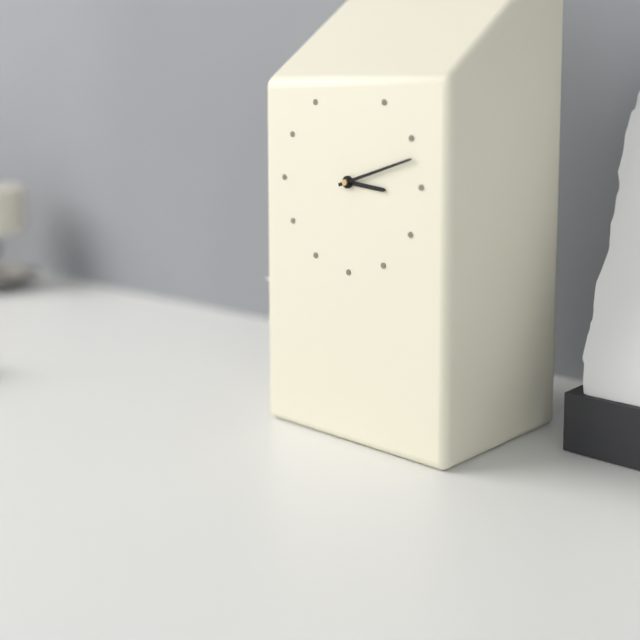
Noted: 3h12
